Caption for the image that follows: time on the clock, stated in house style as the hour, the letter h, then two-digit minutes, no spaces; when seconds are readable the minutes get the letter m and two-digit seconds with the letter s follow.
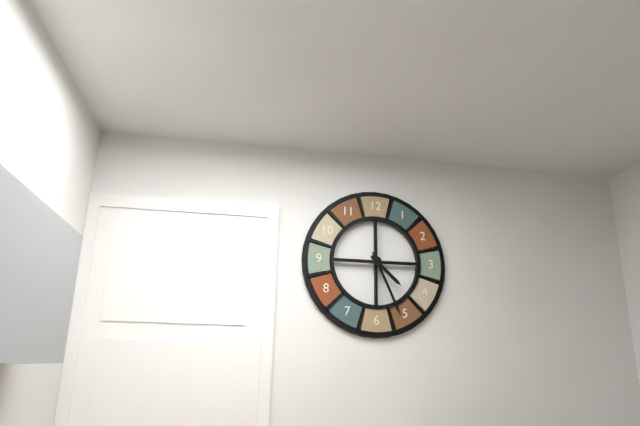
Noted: 4h26
